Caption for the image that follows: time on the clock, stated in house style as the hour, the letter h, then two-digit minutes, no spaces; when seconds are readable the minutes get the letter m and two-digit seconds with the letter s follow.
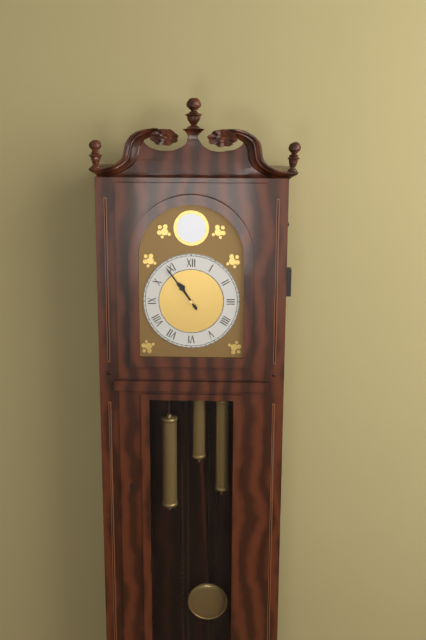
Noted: 10h54
